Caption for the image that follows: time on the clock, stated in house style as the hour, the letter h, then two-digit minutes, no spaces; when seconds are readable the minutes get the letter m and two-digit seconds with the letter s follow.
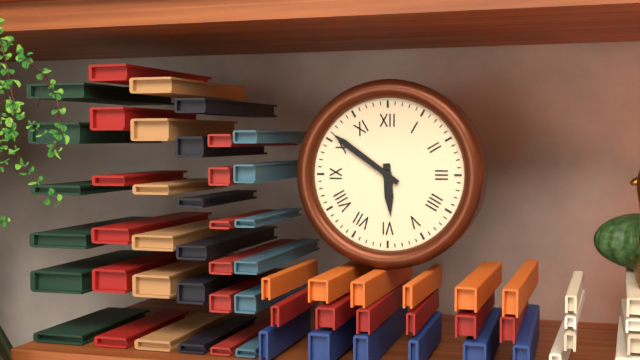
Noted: 5h51
